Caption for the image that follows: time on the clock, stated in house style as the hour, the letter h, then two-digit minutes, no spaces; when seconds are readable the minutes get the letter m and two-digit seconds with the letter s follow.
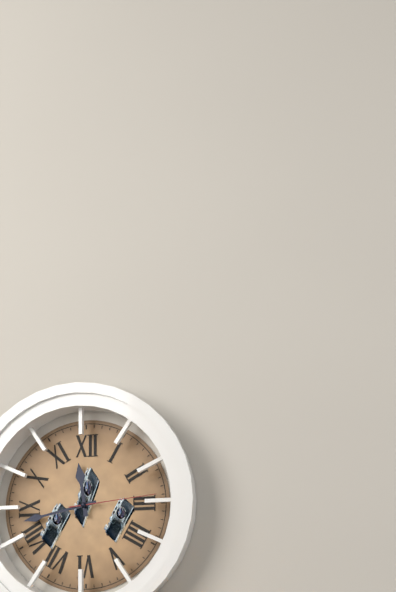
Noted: 11h43m14s
